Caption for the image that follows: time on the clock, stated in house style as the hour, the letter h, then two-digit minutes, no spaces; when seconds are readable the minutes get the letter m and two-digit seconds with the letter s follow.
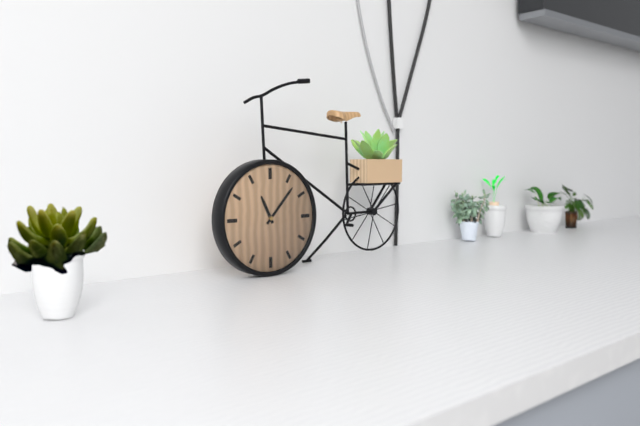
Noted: 11h07
